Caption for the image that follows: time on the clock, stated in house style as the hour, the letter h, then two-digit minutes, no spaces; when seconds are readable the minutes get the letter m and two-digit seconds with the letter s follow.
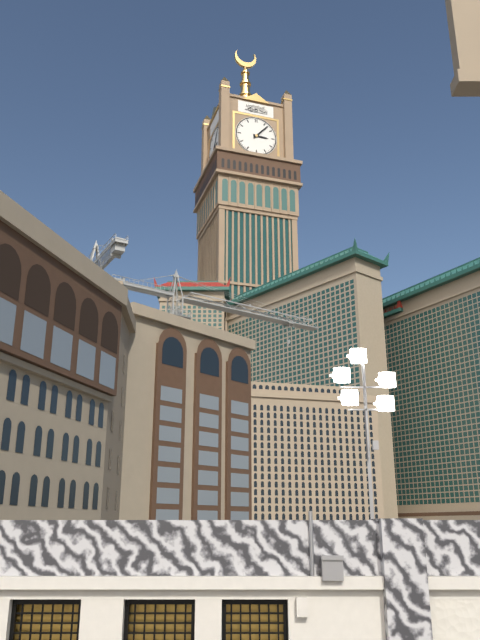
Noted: 3h07
